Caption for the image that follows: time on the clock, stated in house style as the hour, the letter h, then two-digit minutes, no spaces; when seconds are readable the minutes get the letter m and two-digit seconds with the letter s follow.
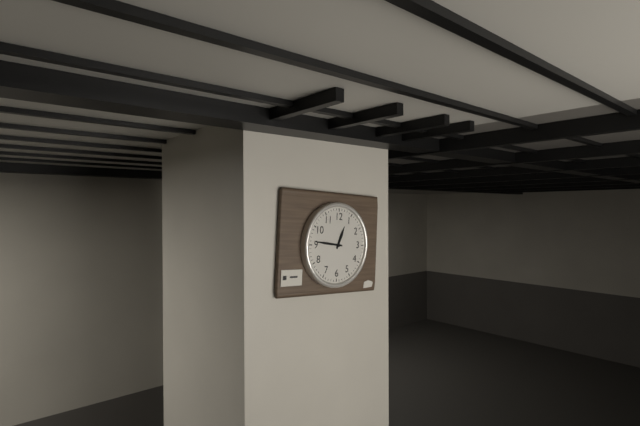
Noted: 12h46
